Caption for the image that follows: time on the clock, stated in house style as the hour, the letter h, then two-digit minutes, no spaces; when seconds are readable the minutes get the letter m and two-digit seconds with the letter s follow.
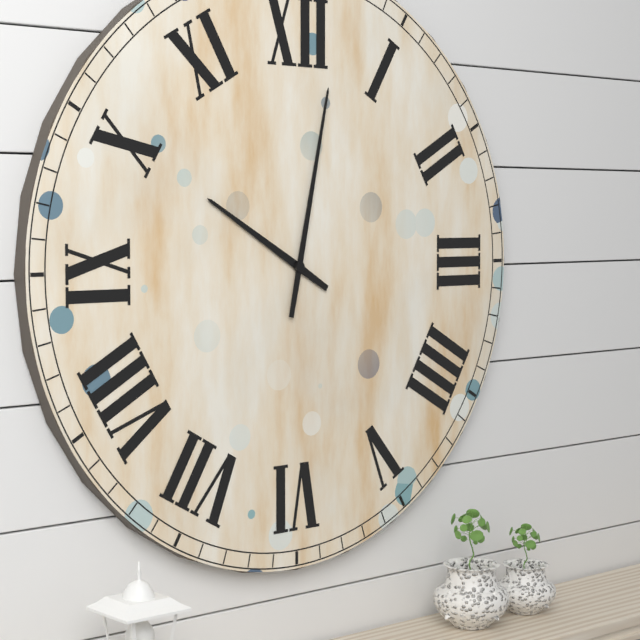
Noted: 10h02
